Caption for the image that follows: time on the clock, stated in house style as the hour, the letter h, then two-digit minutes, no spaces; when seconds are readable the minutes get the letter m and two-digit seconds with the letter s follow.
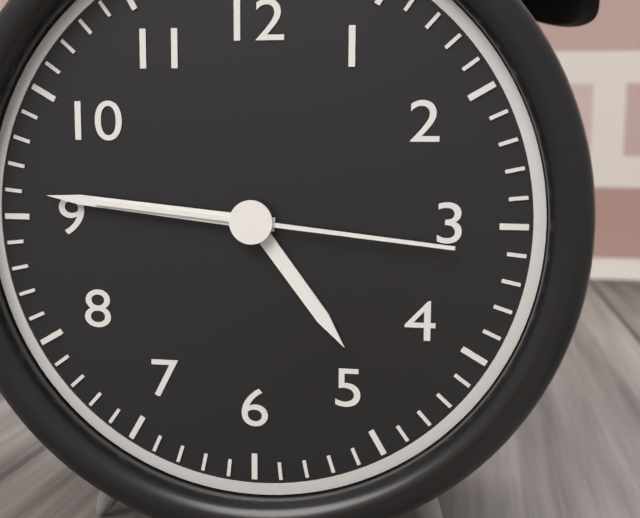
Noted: 4h46m16s
